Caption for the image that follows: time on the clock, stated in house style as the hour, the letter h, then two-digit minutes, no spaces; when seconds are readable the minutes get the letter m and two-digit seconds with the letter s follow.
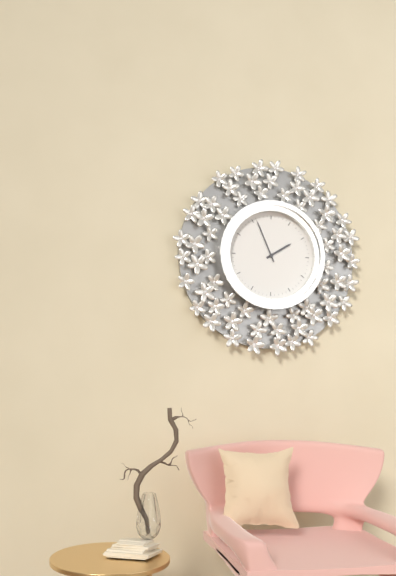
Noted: 1h56
